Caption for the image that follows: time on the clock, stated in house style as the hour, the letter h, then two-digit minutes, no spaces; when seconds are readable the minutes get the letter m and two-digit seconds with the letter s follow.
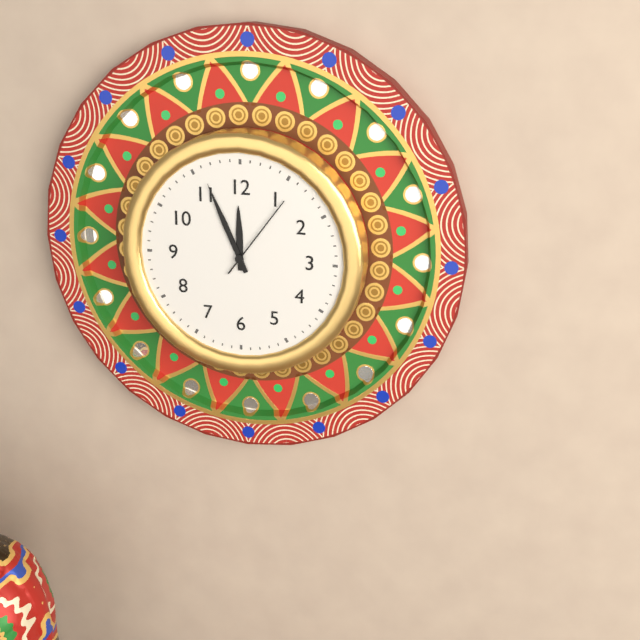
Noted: 11h56m06s
